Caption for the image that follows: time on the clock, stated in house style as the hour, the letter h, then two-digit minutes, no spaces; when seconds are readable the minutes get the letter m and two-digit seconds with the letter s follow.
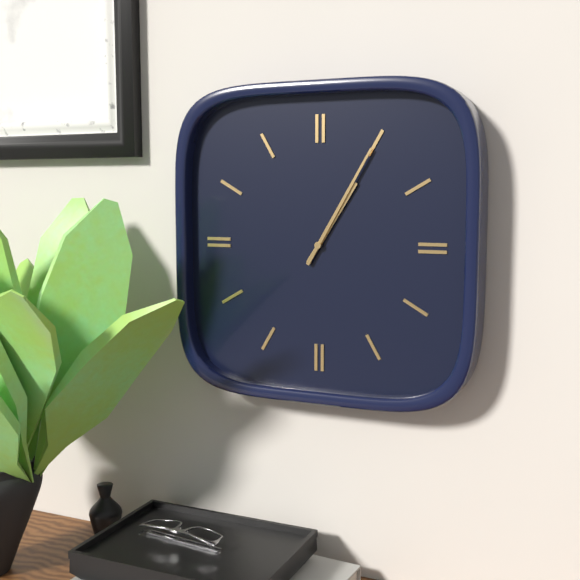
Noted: 1h05
